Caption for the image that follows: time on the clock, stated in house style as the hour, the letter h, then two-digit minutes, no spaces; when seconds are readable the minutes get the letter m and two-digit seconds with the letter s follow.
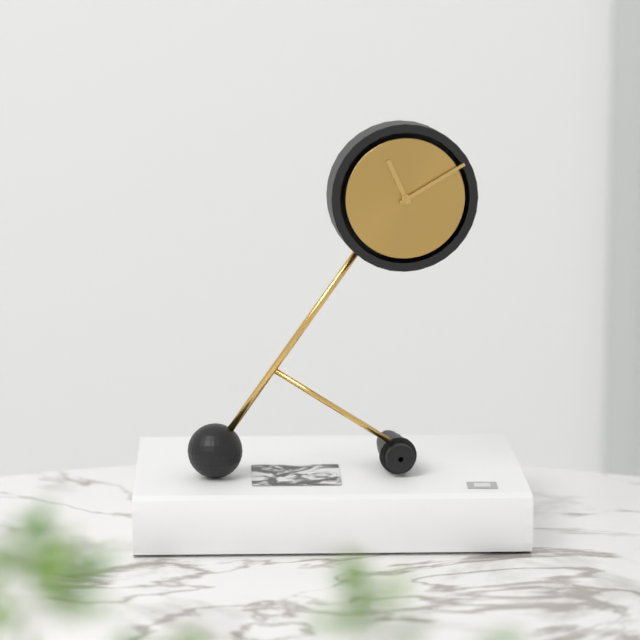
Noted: 11h10
